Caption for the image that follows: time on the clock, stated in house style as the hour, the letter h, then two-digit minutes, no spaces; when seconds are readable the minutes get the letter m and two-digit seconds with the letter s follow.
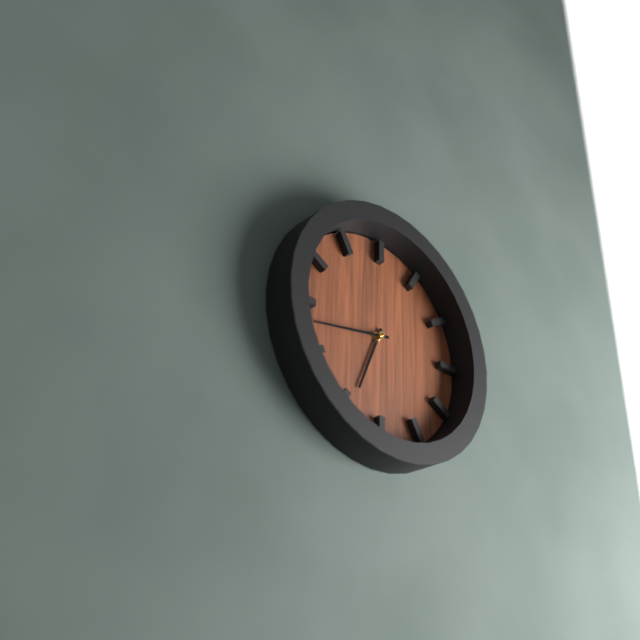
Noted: 6h43
